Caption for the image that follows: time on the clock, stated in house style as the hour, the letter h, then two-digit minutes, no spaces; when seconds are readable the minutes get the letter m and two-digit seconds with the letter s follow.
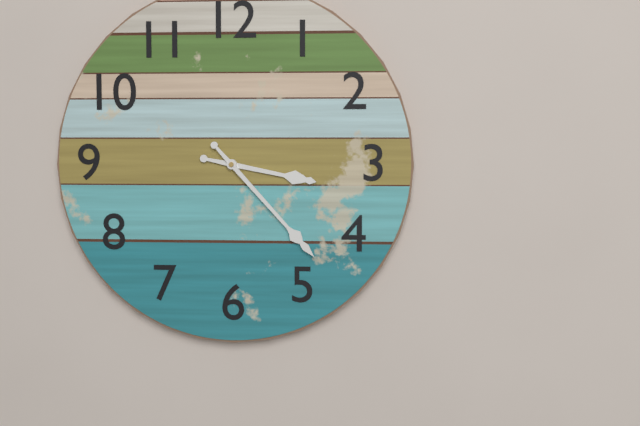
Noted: 3h23
